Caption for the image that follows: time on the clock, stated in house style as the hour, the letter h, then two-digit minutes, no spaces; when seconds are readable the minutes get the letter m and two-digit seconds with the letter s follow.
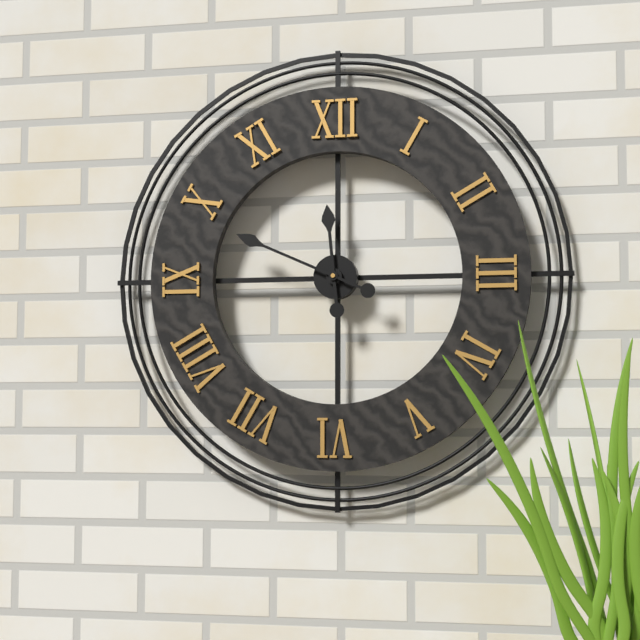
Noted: 11h49
